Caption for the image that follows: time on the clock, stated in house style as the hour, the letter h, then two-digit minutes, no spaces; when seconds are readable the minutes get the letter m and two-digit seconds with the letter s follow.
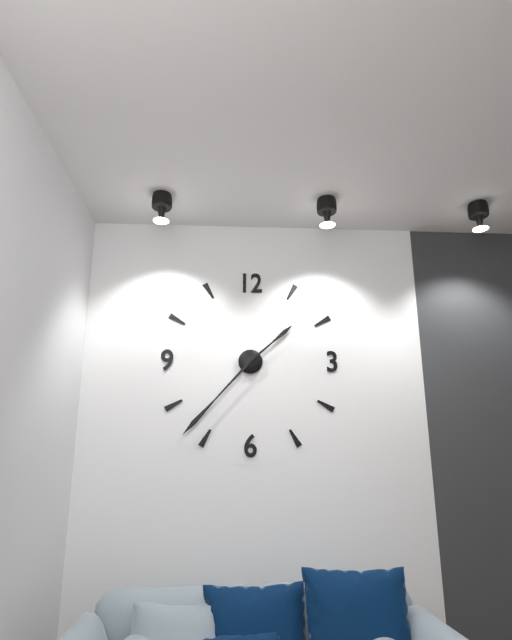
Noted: 1h37
